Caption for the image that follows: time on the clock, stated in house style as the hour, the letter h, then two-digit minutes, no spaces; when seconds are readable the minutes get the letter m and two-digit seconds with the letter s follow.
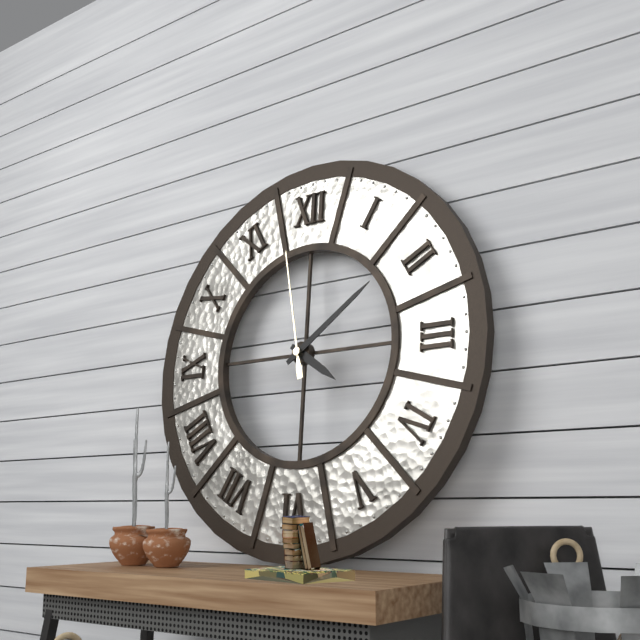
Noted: 4h09m58s
